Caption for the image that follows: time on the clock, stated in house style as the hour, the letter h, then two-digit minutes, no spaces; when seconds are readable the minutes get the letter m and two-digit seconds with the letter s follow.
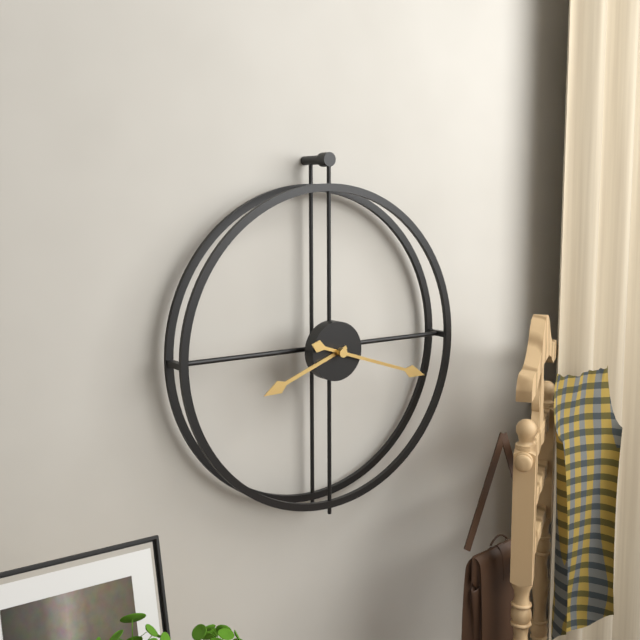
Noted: 8h18
